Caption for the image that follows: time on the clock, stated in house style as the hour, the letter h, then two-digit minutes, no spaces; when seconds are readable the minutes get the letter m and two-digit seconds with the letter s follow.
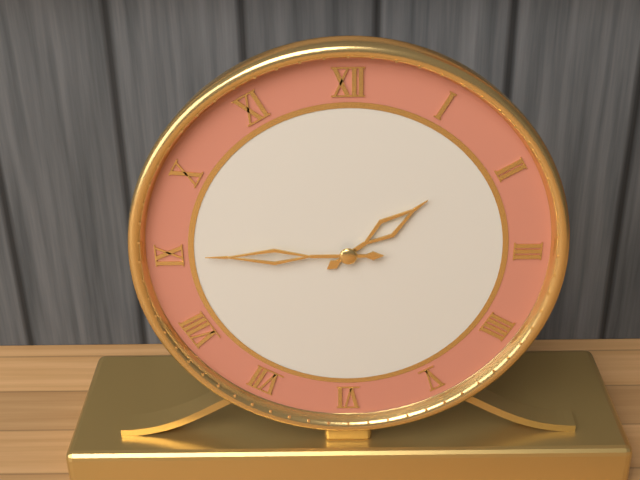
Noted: 1h45
